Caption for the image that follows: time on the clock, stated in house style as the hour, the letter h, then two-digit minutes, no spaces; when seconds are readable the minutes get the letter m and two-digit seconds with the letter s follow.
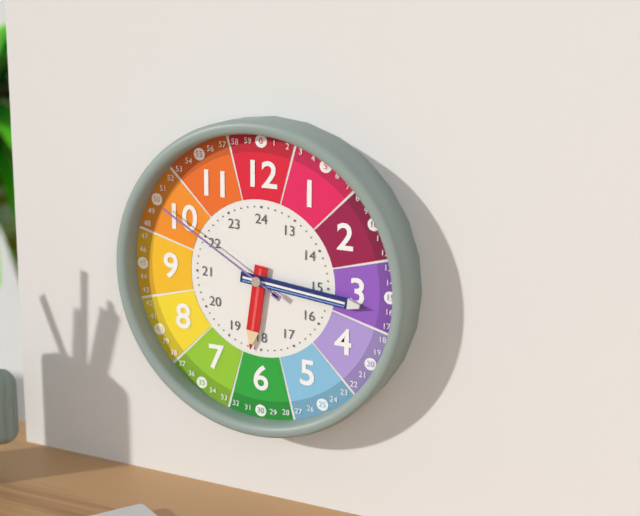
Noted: 6h16m50s
